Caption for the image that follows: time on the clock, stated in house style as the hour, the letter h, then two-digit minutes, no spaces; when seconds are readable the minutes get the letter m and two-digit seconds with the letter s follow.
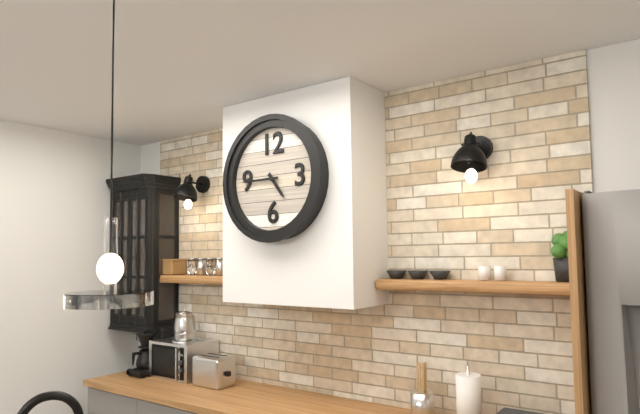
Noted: 4h45
